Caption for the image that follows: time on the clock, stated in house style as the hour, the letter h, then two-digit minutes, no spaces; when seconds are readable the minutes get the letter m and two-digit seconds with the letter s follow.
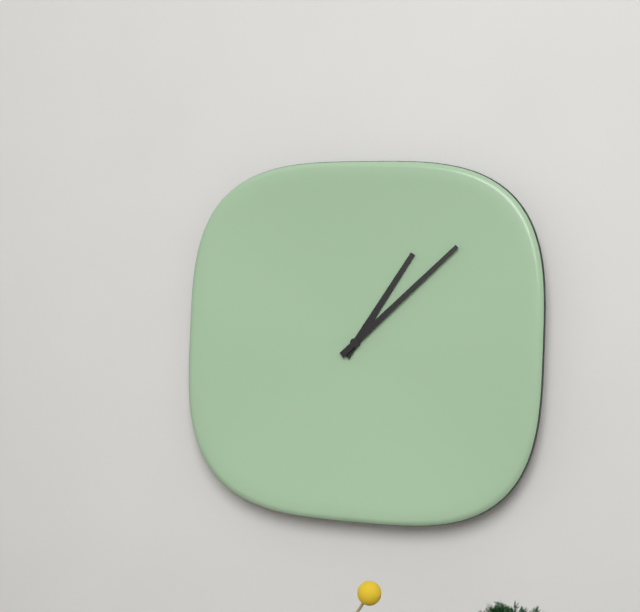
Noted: 1h08
